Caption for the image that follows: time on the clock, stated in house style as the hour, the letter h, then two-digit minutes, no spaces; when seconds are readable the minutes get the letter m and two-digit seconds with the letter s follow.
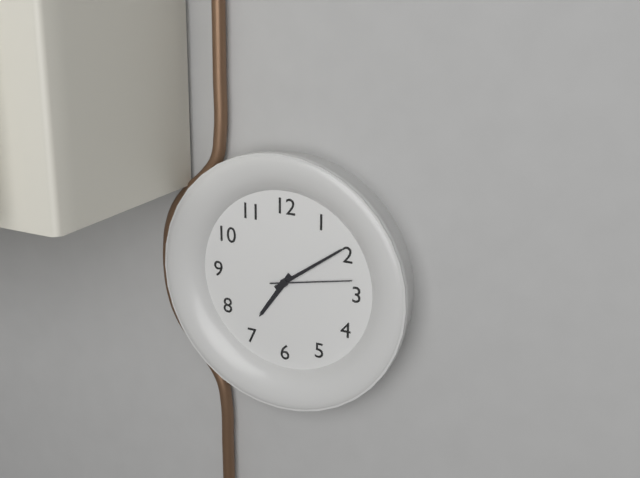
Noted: 7h09m13s
